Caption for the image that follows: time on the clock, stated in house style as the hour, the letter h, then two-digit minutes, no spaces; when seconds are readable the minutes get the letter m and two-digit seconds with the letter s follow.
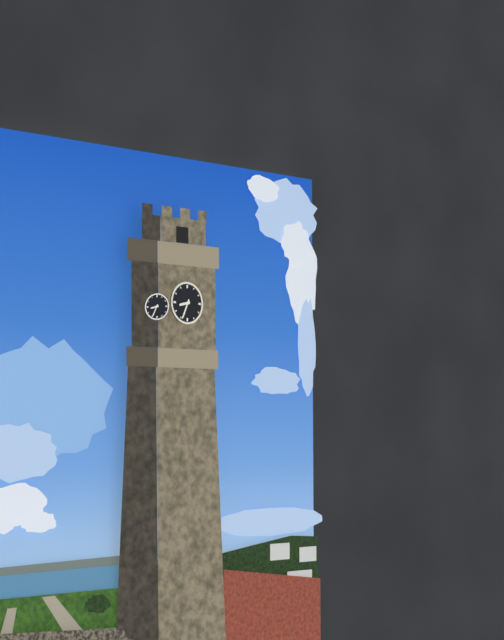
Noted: 8h34
